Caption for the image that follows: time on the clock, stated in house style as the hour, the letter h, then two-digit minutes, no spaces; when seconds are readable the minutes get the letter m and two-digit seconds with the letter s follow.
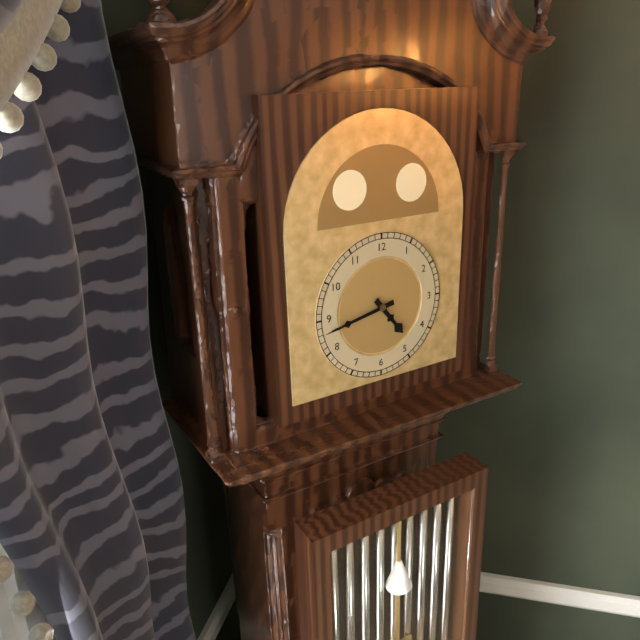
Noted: 4h43
